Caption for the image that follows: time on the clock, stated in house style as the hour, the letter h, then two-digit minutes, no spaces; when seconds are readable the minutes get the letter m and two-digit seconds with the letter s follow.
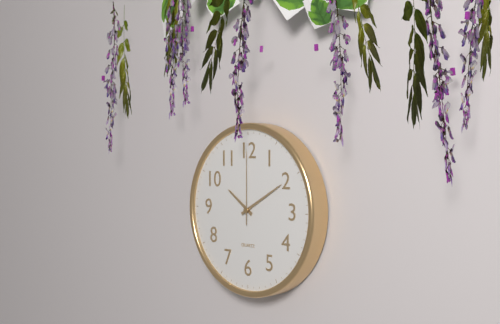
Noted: 10h10m00s
